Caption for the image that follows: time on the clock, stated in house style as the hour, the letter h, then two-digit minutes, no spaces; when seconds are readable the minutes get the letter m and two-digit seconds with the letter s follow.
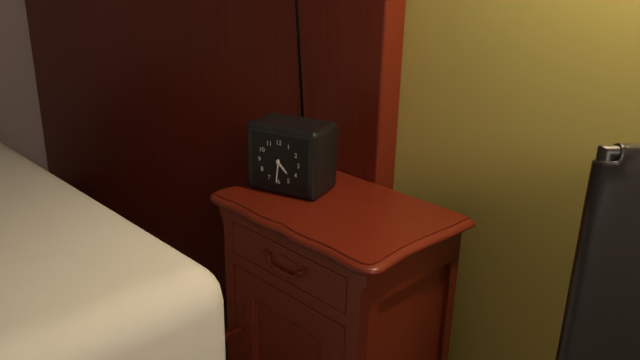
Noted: 4h31
